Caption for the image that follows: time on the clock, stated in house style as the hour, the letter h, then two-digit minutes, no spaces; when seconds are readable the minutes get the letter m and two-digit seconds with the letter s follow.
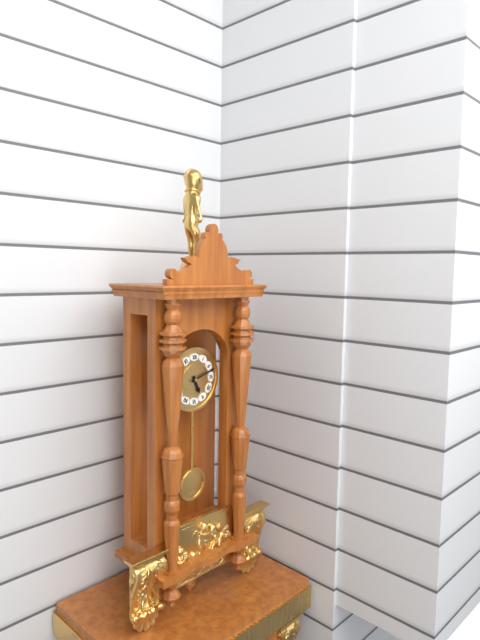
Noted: 5h12
